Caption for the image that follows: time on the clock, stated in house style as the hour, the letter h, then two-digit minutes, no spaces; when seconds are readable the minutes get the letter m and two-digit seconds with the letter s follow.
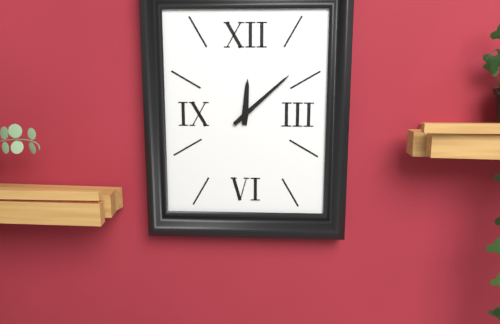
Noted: 12h08
